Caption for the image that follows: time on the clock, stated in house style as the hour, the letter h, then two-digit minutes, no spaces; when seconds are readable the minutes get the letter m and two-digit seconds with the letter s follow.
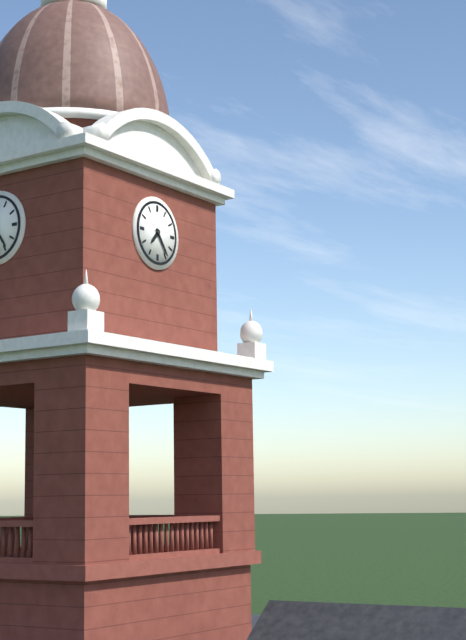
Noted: 7h24
